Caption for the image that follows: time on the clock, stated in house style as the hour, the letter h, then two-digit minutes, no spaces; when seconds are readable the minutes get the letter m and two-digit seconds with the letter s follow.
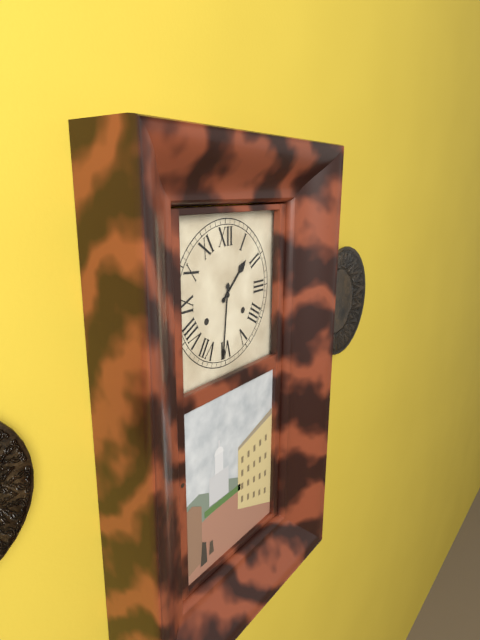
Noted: 1h31
